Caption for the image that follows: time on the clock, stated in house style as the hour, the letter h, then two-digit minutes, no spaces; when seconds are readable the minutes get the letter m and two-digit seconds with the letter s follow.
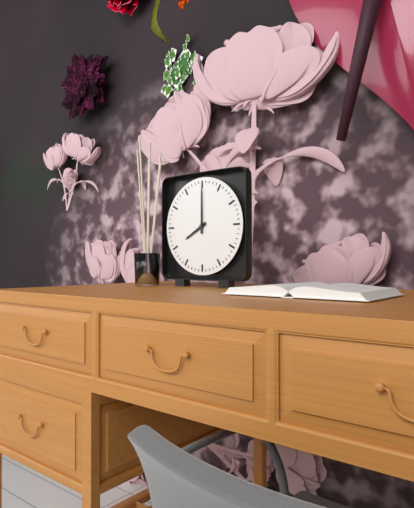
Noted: 8h00
